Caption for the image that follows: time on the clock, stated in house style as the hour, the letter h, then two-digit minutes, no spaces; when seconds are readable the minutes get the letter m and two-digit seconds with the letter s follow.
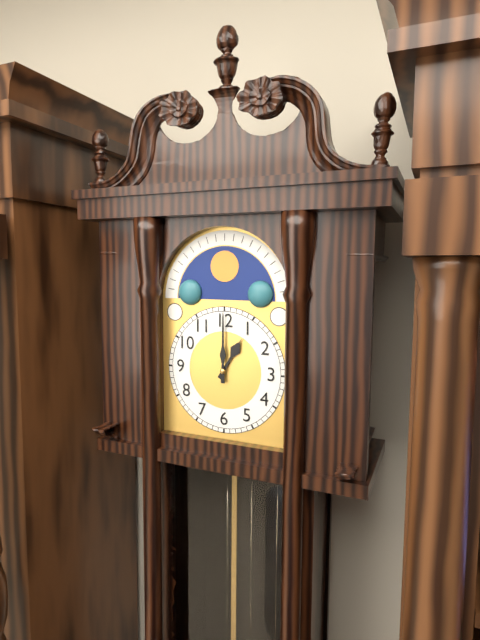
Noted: 1h00
